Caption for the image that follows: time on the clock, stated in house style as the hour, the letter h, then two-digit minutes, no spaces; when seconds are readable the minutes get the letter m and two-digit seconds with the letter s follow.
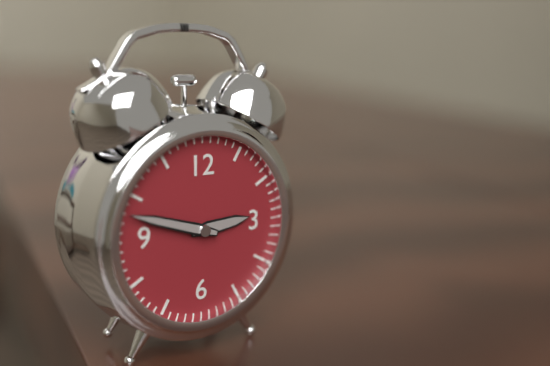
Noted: 2h48
